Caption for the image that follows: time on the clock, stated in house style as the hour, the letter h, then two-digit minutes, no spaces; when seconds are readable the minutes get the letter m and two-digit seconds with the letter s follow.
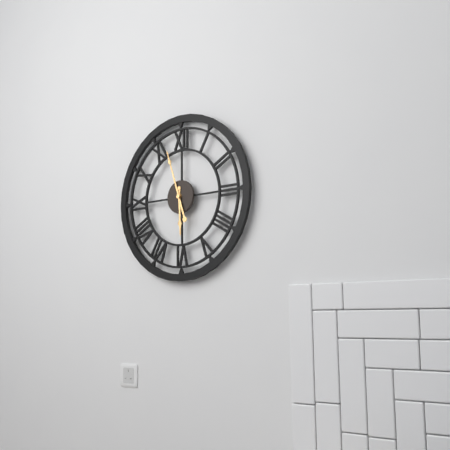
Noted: 5h57
